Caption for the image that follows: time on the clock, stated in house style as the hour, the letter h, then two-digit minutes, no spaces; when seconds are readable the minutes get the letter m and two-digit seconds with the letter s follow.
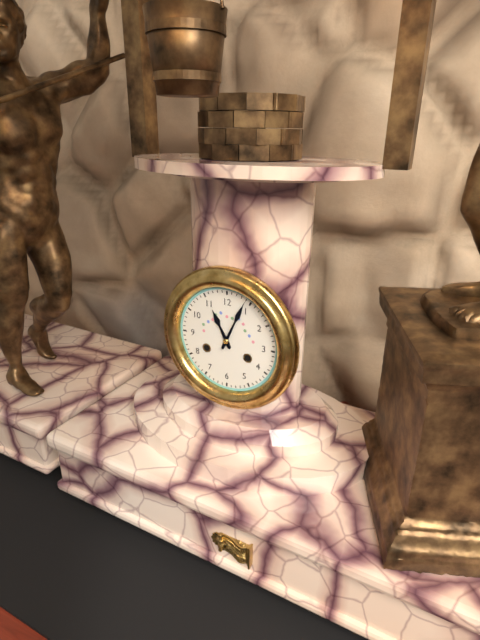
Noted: 11h04
